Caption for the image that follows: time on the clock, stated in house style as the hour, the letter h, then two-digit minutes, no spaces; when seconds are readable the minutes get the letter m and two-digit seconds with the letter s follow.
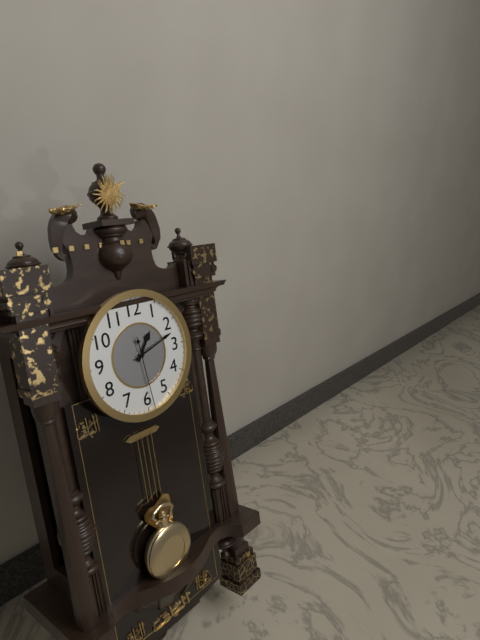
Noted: 1h12m29s
